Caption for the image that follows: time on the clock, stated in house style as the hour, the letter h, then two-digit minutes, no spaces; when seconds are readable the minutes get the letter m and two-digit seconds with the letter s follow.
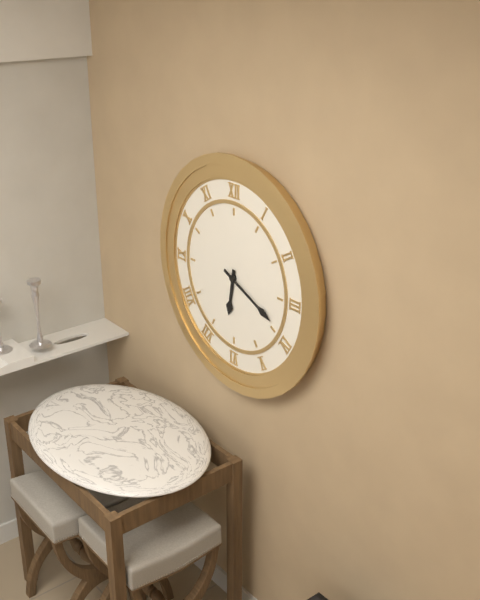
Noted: 6h19
